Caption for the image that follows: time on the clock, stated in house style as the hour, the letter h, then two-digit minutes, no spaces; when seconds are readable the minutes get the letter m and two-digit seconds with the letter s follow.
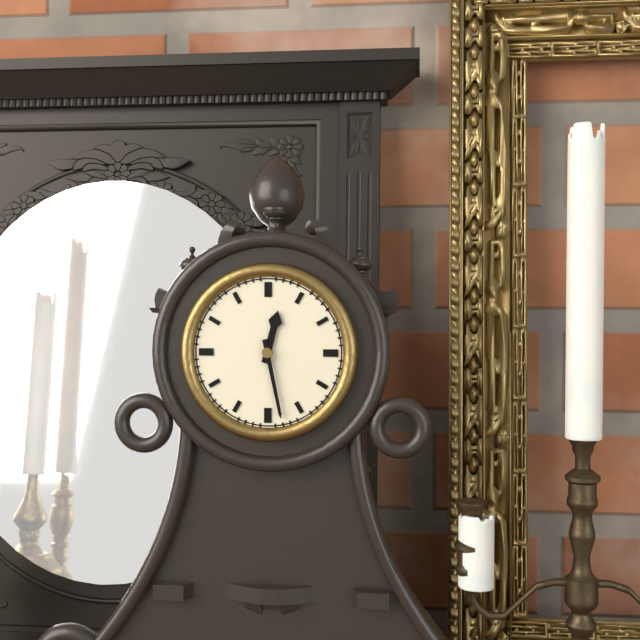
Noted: 12h28
